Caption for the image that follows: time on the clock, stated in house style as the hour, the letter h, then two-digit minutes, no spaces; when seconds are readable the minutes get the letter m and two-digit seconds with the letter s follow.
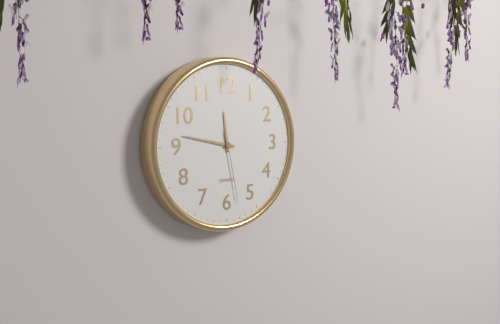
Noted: 11h47m28s
